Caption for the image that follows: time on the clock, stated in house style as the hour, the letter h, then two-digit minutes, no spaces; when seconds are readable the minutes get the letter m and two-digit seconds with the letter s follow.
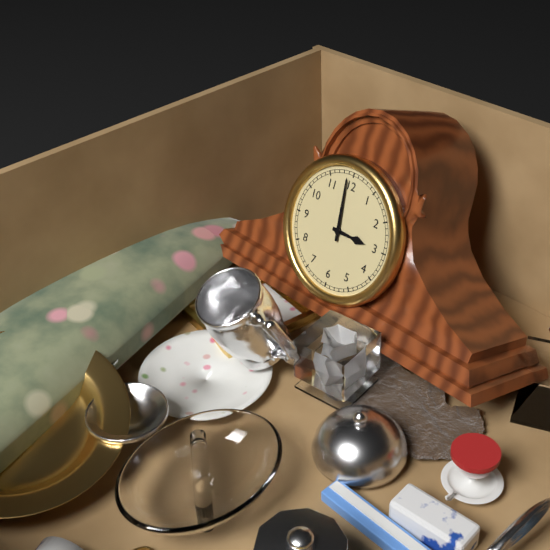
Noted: 2h59
